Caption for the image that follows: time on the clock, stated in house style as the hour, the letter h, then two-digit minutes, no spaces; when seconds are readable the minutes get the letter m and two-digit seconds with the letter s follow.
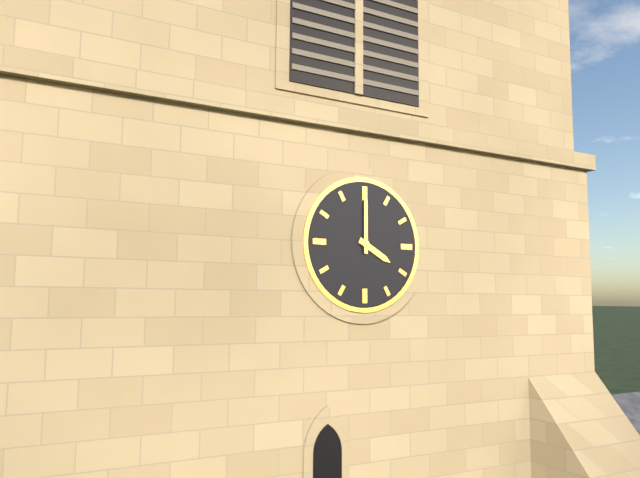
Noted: 4h00
